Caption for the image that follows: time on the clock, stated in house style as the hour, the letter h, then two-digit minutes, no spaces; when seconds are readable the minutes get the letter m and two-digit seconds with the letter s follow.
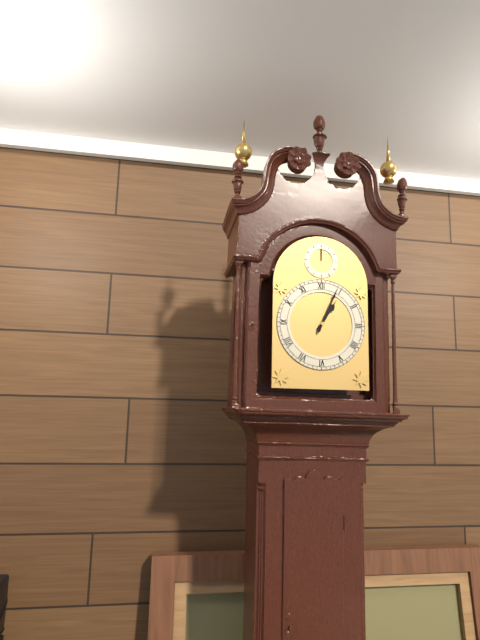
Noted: 1h04
